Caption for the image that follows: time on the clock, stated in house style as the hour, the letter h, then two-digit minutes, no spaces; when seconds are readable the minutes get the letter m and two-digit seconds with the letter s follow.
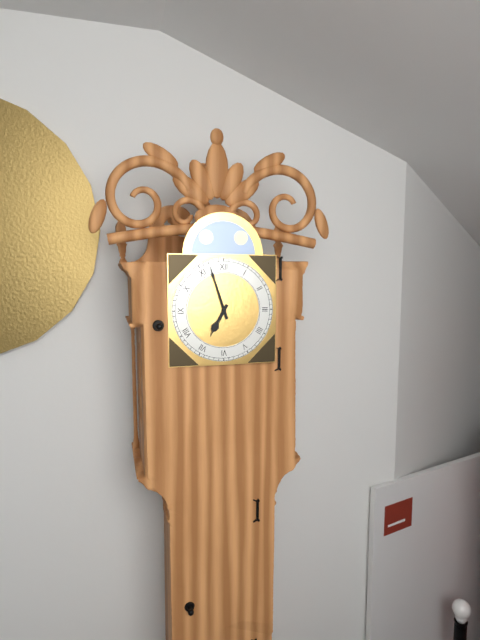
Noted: 6h57
